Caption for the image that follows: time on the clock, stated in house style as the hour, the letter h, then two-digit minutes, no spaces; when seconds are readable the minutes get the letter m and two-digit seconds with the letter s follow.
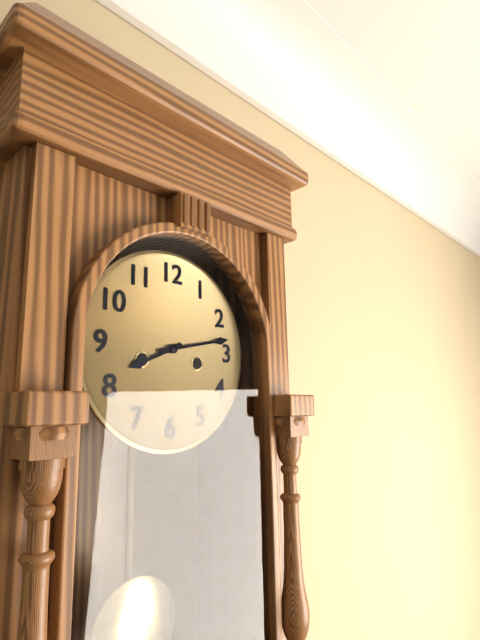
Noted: 8h13
